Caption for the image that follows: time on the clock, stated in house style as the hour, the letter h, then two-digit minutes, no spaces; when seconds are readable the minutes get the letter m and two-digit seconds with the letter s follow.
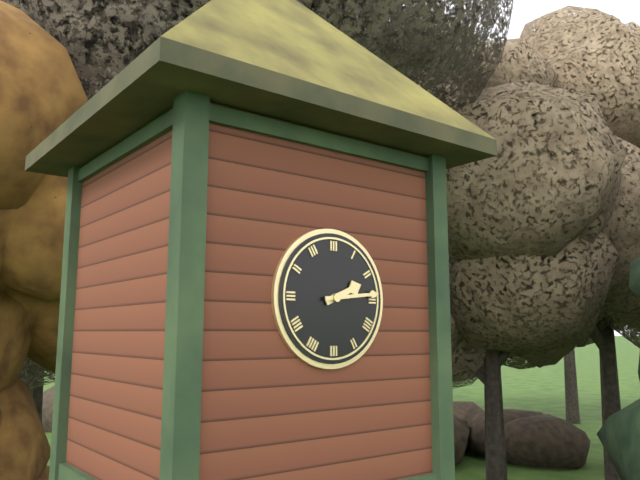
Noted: 2h14
